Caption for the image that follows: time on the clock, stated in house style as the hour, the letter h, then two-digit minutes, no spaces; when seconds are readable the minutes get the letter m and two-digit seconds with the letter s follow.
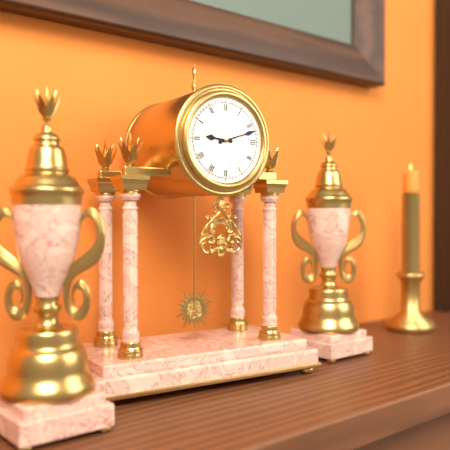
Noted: 9h12
